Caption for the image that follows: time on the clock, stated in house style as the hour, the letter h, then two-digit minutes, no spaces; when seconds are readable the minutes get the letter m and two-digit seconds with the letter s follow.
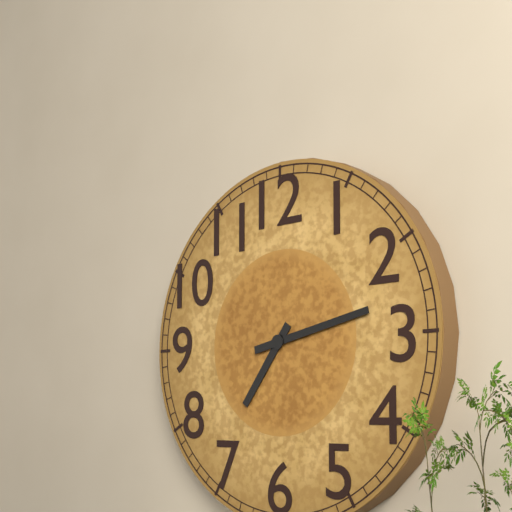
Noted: 7h13
